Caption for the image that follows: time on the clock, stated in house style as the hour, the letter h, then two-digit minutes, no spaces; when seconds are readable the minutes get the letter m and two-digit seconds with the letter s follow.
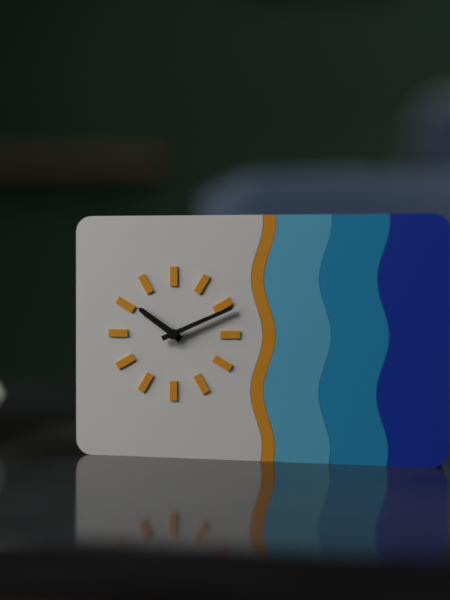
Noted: 10h11
